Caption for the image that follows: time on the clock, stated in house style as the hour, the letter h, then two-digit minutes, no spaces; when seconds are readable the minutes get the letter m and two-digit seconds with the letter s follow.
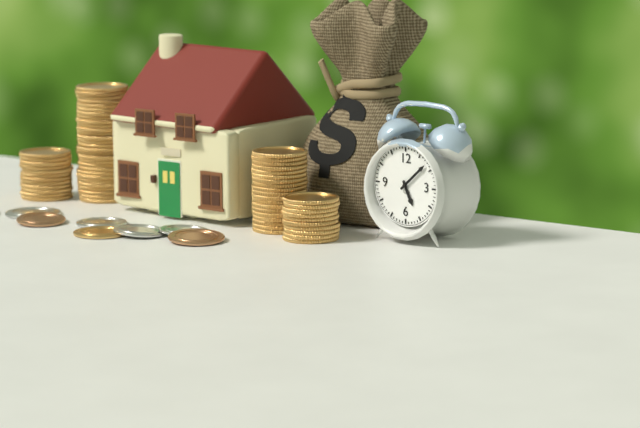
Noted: 5h08
